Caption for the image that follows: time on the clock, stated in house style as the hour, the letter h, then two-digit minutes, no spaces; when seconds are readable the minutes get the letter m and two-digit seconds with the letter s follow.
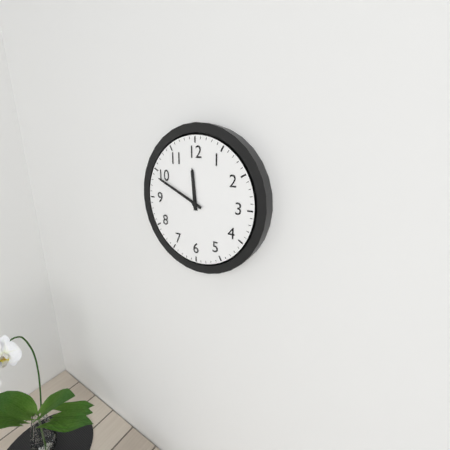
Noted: 11h49
